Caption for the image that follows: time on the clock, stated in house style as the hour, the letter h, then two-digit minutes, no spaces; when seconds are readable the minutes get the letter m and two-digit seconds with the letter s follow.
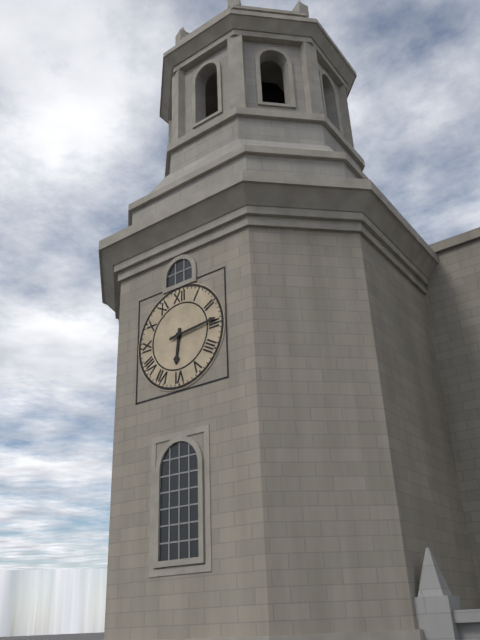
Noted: 6h14
